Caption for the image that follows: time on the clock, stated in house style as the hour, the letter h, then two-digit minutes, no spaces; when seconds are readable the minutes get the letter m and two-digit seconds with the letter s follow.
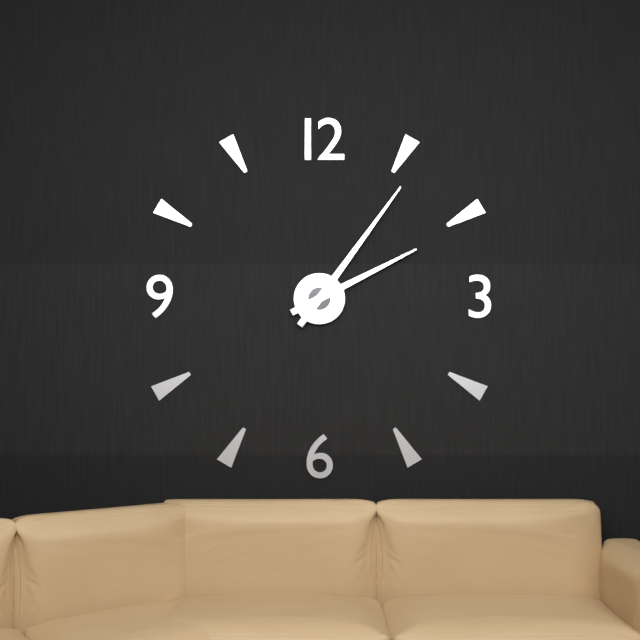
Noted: 2h06
